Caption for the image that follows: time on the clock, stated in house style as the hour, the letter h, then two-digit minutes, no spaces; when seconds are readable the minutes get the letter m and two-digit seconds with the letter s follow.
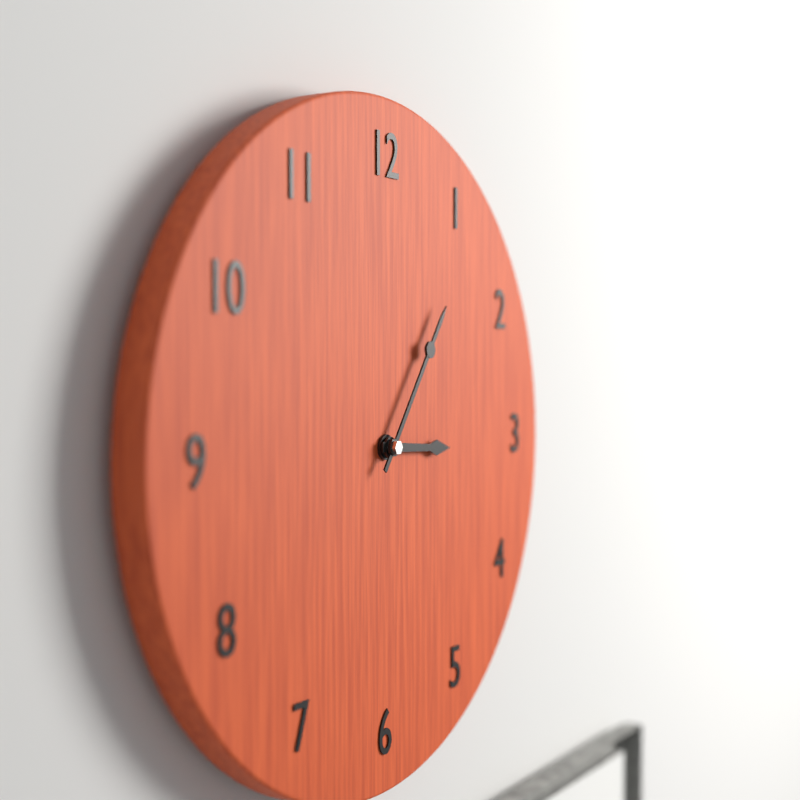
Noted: 3h06
